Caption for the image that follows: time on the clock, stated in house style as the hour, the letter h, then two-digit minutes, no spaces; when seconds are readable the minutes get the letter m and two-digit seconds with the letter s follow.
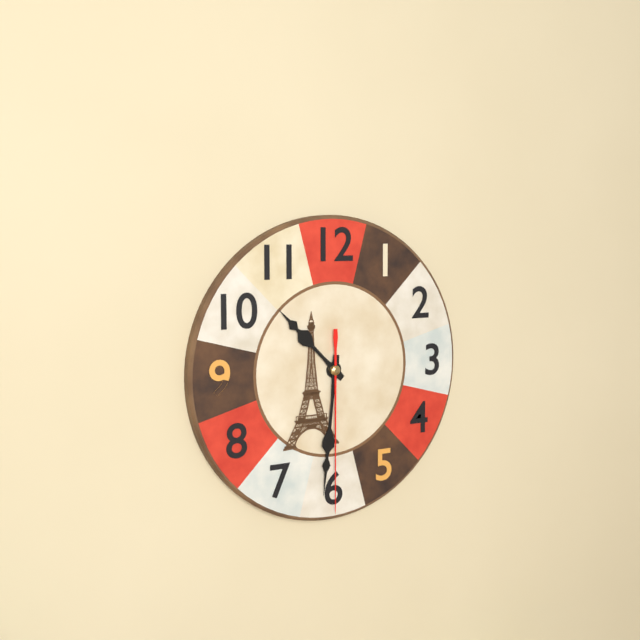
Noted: 10h31m30s
